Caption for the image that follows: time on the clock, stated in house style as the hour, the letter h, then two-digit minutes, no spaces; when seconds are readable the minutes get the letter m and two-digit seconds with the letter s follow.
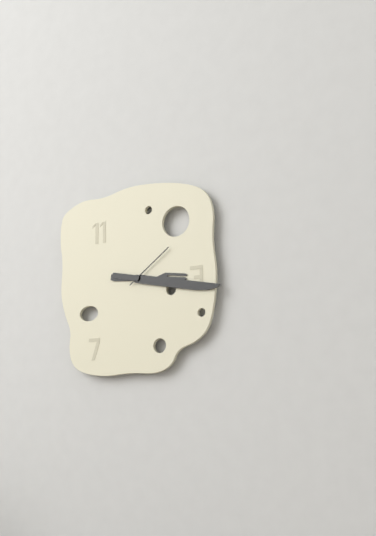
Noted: 3h17m09s
